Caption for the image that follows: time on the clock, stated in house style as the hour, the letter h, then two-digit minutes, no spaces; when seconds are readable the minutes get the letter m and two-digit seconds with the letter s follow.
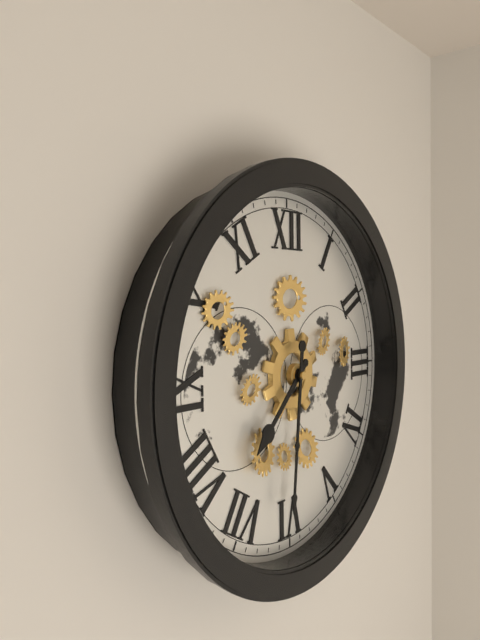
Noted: 7h31
